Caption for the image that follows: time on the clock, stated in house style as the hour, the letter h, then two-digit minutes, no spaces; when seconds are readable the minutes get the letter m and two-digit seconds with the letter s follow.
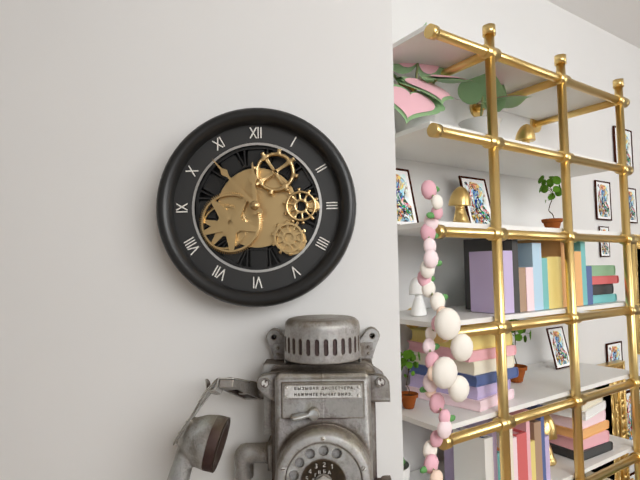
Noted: 11h53
